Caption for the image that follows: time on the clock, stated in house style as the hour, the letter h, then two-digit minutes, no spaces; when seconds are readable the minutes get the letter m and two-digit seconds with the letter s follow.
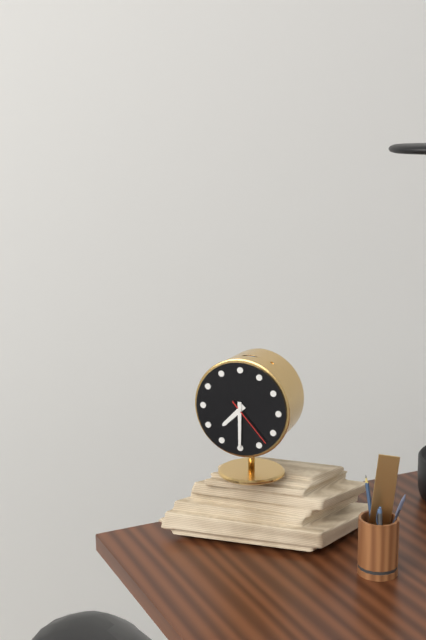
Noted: 7h30m23s
